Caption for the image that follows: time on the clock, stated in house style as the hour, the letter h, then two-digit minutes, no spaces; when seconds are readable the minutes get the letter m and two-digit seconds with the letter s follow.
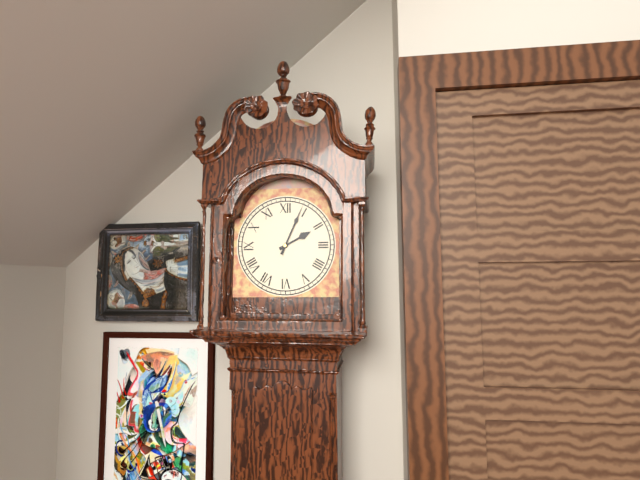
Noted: 2h04
